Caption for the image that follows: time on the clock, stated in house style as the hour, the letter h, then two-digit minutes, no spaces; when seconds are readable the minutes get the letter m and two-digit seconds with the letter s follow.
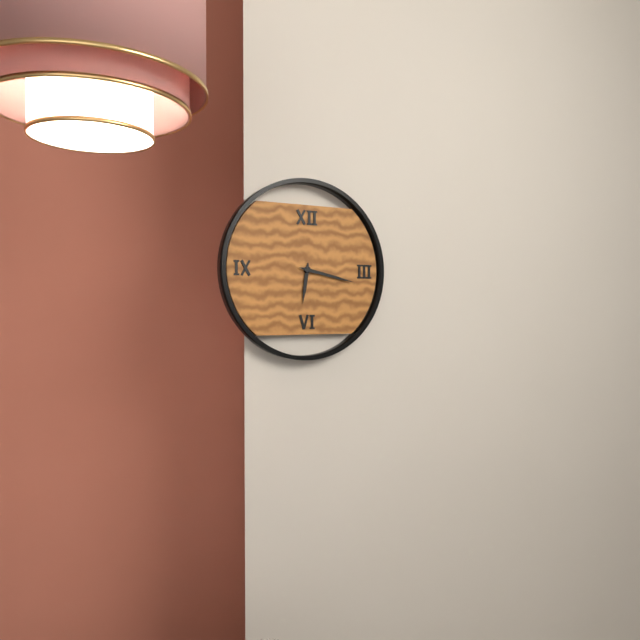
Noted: 6h17
